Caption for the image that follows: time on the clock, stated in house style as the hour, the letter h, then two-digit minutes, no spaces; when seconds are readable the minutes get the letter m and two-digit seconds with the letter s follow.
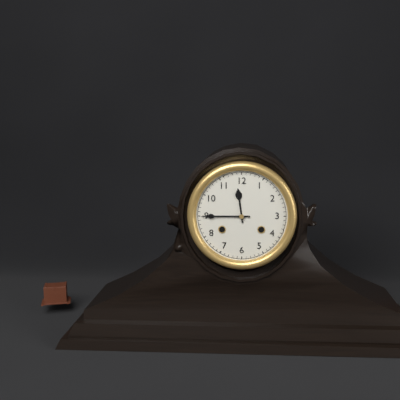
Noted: 11h45
